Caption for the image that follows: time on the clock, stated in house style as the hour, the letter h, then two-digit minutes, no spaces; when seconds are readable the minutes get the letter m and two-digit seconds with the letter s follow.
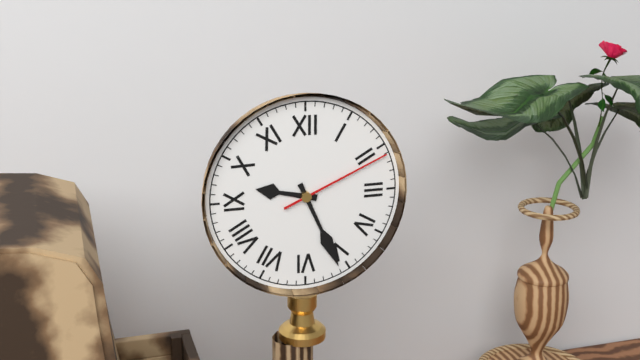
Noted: 9h26m11s
